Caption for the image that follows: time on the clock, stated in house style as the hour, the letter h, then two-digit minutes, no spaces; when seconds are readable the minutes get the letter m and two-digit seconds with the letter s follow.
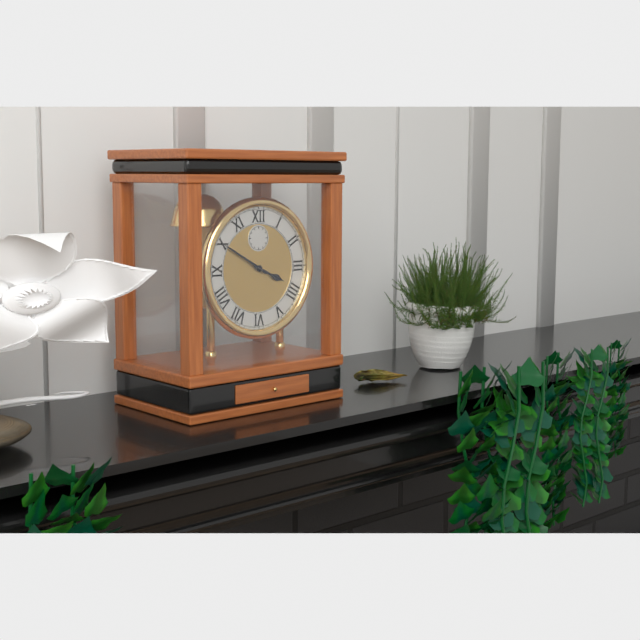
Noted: 3h50
